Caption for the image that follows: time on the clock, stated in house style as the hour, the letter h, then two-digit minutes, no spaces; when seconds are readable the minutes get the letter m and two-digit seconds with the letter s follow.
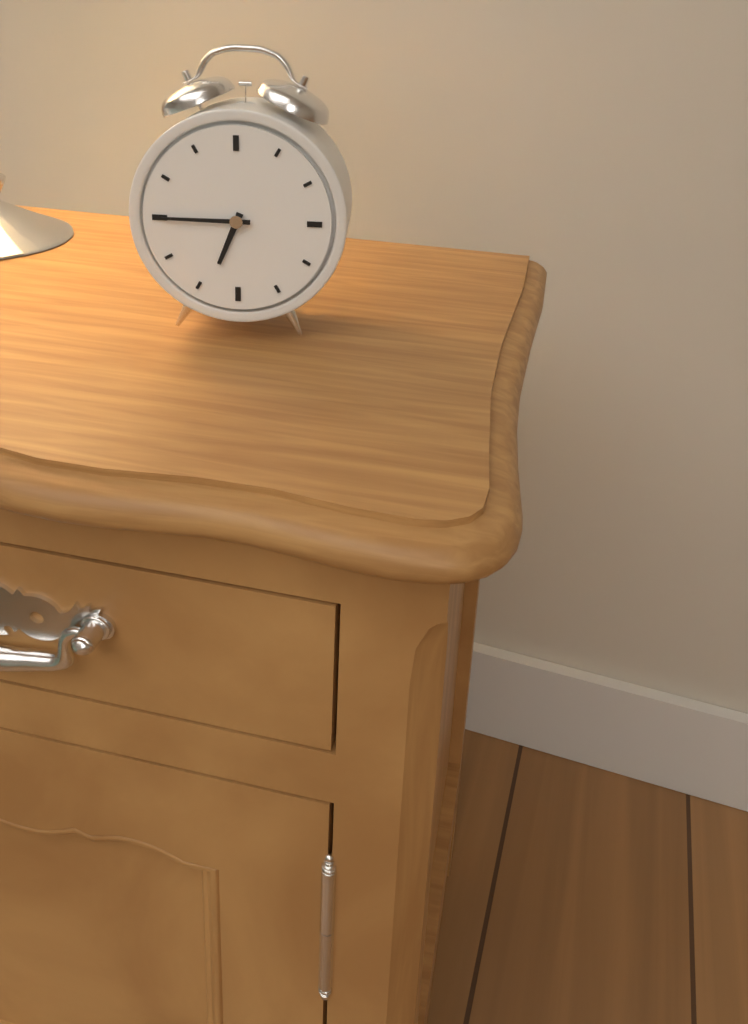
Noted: 6h45
